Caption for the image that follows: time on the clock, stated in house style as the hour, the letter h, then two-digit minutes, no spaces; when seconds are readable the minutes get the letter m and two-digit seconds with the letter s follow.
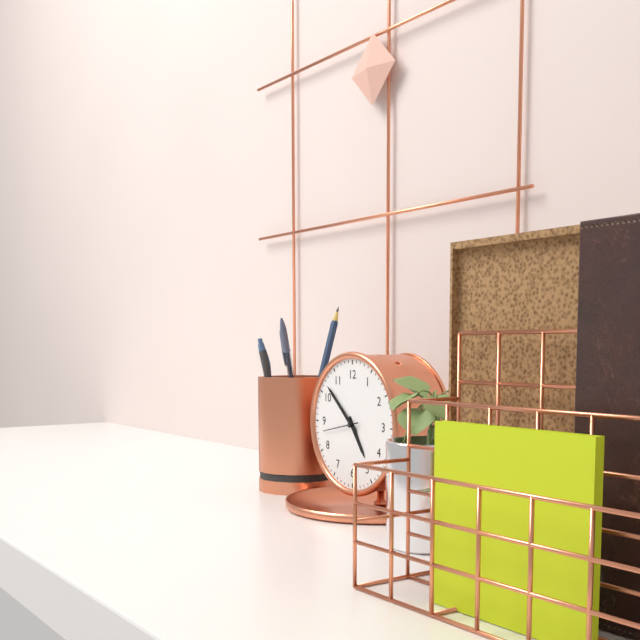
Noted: 4h52
